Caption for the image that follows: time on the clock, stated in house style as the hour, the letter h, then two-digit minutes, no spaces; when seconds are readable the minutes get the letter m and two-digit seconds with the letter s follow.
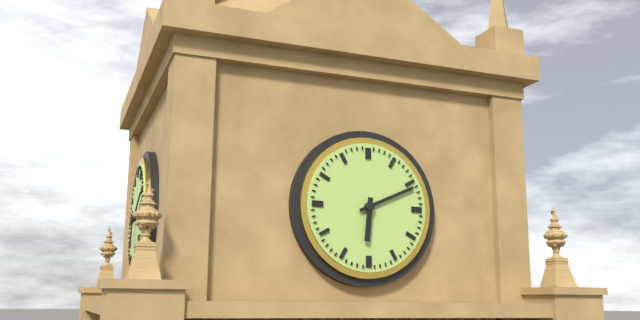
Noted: 6h11
